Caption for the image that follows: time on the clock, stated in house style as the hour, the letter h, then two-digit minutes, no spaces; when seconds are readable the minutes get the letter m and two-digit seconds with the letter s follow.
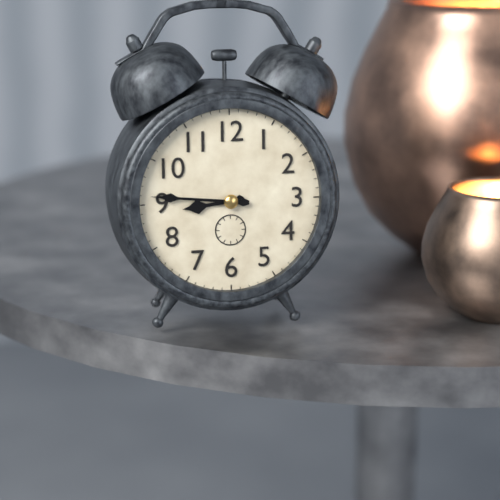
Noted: 8h46
